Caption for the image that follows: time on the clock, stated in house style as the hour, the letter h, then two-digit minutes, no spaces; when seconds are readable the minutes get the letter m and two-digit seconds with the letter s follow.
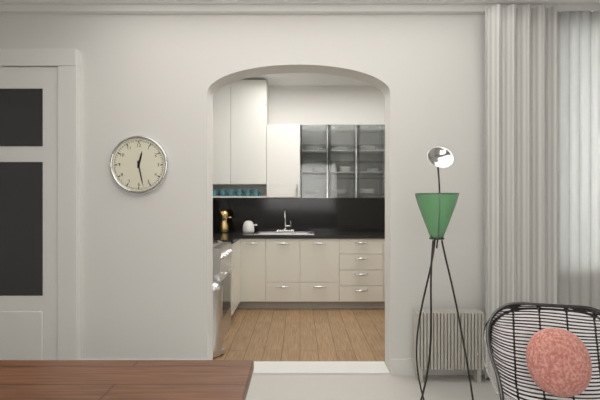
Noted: 12h28
